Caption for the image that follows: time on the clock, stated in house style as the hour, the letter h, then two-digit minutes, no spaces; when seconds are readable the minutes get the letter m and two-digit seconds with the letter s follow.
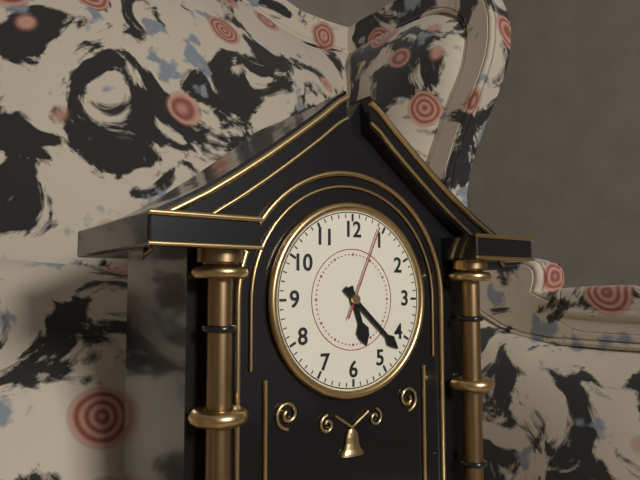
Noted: 5h22m04s
